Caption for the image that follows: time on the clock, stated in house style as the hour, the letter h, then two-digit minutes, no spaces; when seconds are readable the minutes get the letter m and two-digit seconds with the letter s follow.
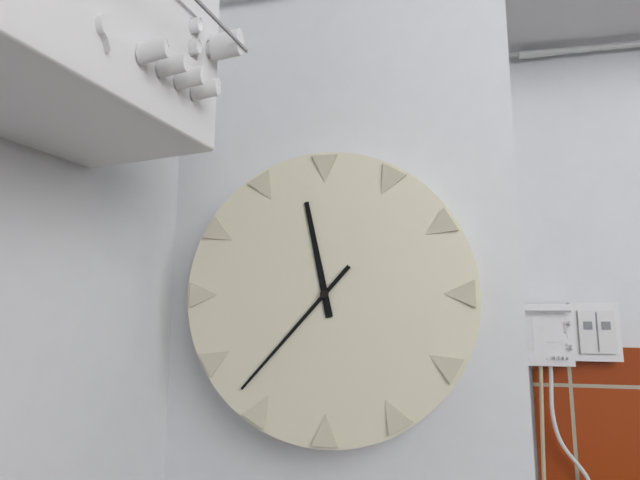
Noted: 11h37
